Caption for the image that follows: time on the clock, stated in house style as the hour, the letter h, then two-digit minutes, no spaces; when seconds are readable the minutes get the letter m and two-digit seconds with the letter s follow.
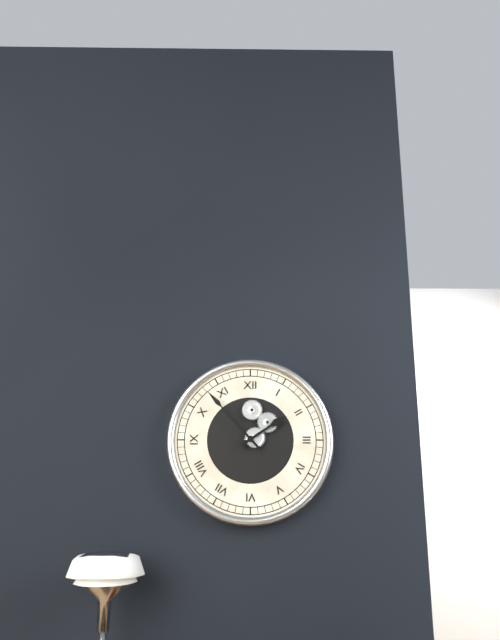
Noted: 1h53
